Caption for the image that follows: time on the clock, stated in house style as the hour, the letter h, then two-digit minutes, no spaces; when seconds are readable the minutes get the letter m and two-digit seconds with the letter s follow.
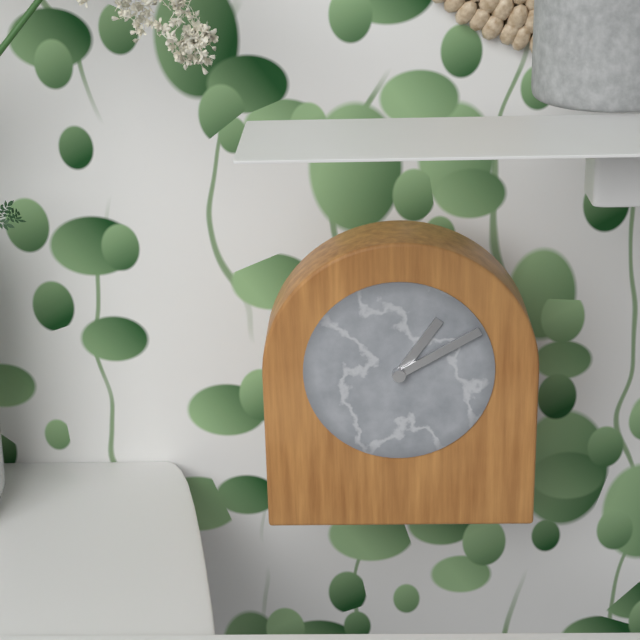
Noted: 1h10
